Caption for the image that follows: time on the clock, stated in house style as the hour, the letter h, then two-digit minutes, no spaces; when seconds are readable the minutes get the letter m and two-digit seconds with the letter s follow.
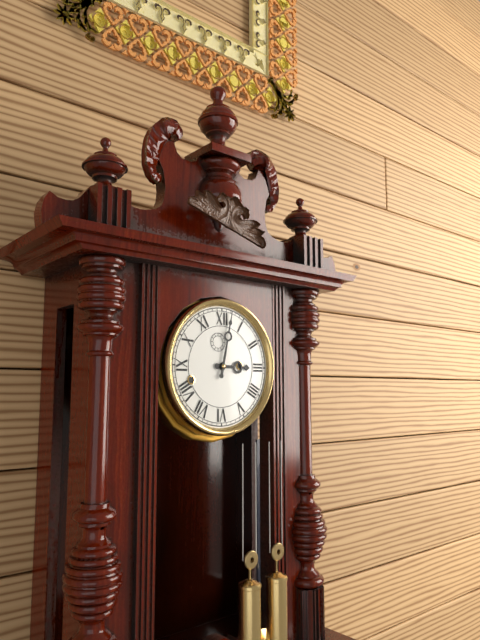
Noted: 3h02
